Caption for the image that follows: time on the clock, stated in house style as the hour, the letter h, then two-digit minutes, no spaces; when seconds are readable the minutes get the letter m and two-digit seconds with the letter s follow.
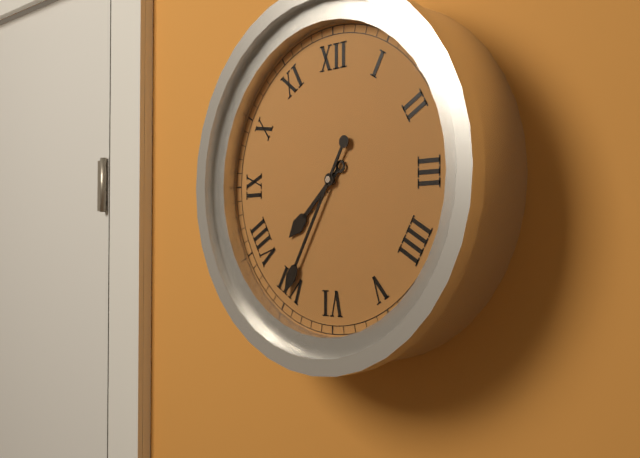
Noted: 7h35
